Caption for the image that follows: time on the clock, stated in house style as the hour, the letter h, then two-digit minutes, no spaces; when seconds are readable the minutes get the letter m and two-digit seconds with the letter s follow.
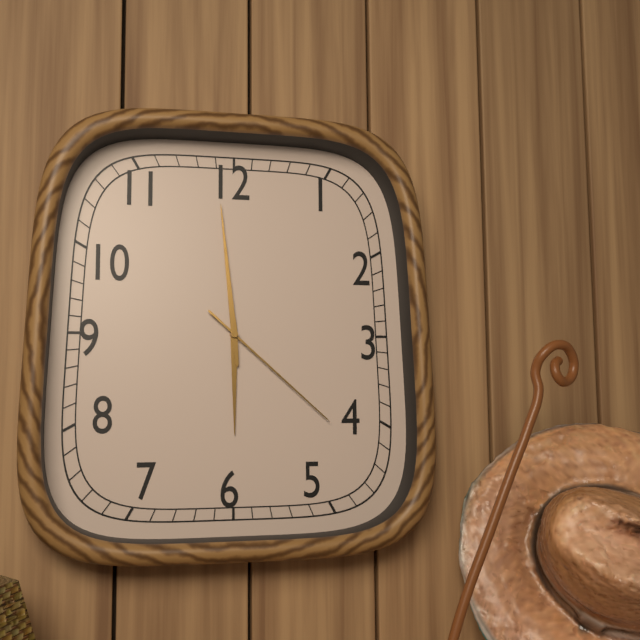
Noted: 5h59m22s
